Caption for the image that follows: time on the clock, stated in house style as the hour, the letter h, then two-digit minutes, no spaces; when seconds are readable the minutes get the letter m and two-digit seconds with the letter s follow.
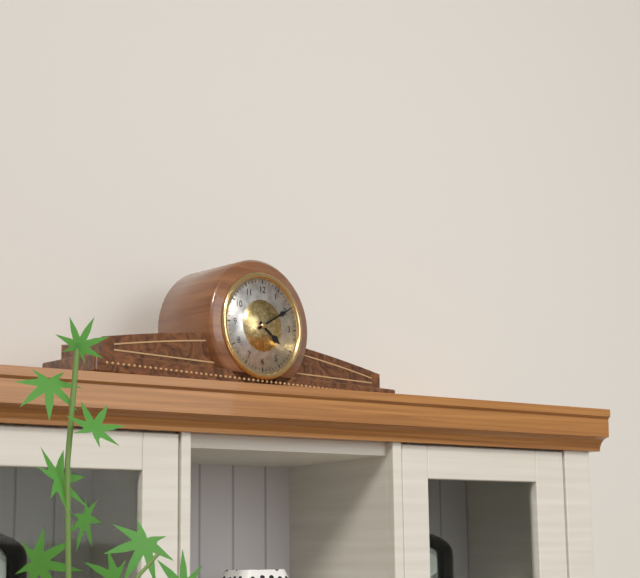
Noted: 4h10
